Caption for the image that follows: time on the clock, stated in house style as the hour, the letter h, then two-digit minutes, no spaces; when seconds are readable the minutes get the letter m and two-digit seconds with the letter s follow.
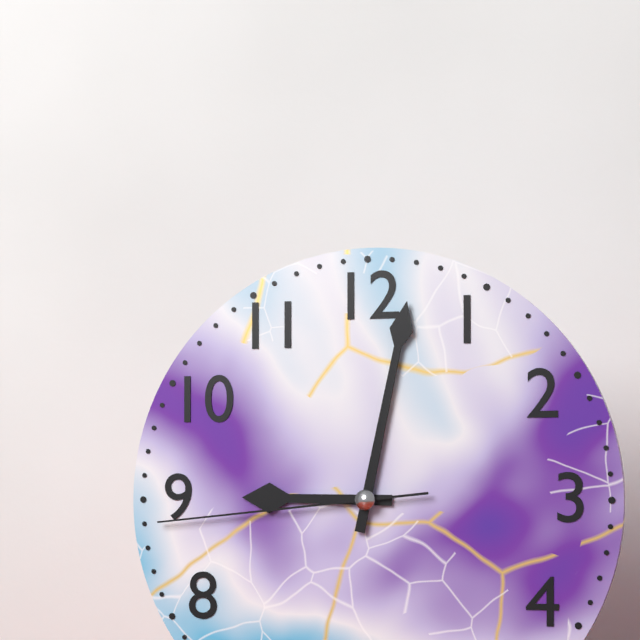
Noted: 9h02m44s
